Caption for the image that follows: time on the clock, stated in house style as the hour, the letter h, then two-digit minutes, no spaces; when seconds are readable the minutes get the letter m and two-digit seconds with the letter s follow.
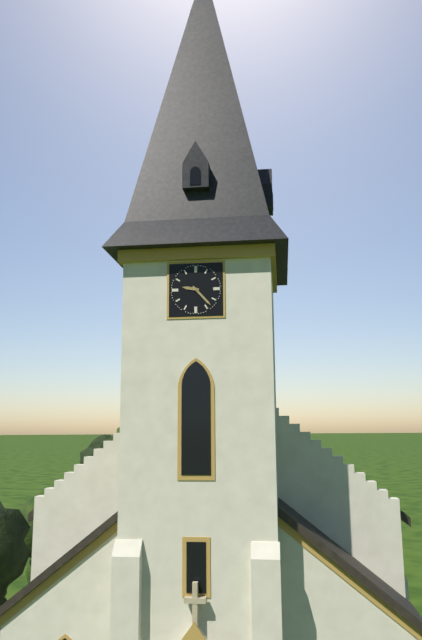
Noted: 9h23
